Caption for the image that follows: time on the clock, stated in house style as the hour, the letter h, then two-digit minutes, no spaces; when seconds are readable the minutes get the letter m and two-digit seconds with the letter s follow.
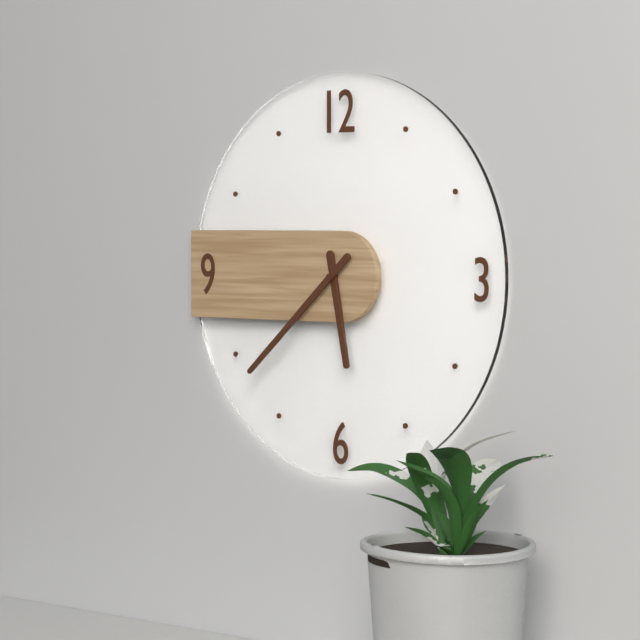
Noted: 5h38
